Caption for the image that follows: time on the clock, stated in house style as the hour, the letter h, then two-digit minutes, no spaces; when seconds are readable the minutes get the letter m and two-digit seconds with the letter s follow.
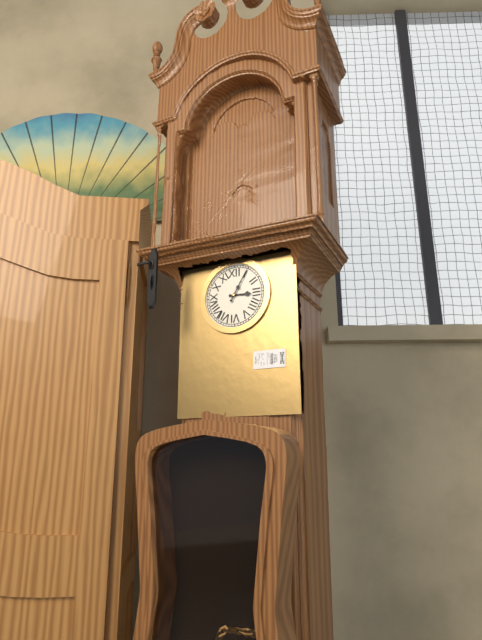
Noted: 3h05
